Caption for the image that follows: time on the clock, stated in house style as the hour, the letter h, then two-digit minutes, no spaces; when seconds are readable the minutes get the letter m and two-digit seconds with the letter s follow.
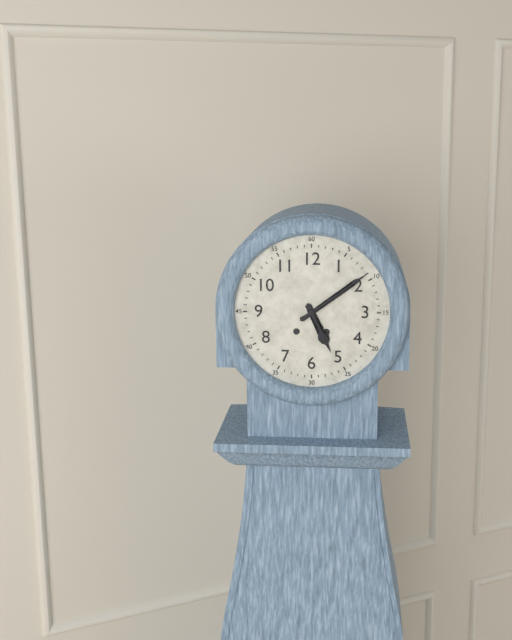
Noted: 5h09
